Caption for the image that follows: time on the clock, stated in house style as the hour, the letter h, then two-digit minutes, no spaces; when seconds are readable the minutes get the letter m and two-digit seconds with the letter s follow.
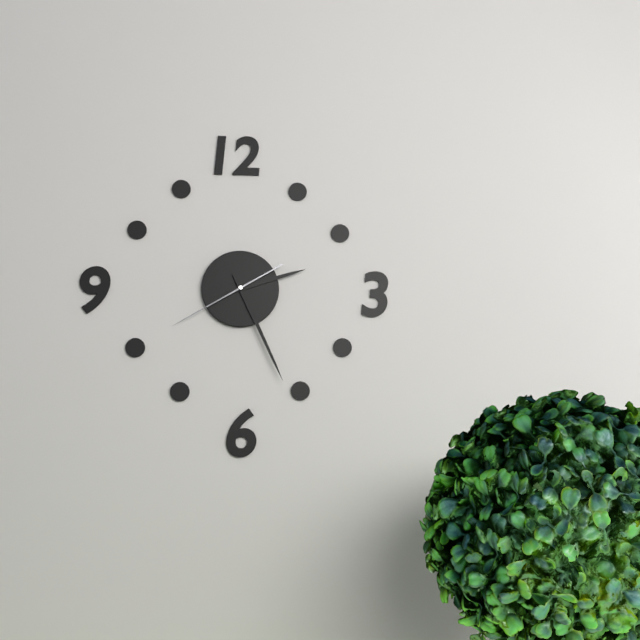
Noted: 2h26m40s
